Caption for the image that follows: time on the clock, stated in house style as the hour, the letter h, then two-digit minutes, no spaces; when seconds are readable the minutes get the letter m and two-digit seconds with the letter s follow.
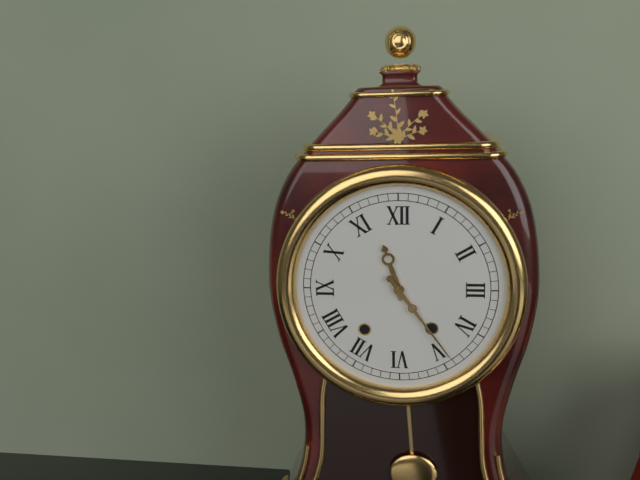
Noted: 11h24
